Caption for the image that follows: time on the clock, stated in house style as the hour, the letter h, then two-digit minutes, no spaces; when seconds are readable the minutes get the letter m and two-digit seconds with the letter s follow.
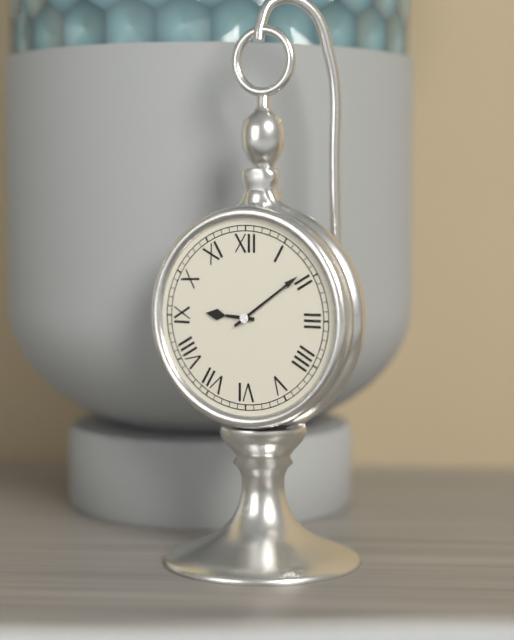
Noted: 9h09
